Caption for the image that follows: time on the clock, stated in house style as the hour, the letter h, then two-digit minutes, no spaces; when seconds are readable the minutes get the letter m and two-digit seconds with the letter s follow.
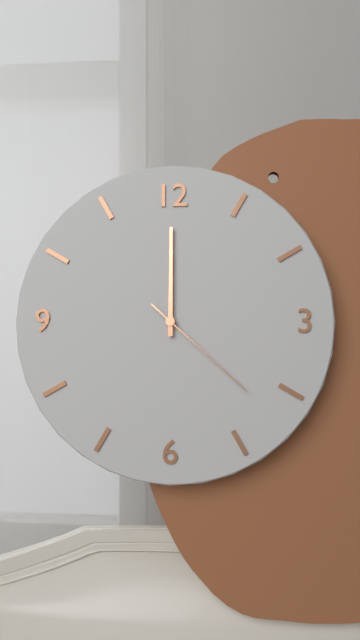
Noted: 12h00m22s
